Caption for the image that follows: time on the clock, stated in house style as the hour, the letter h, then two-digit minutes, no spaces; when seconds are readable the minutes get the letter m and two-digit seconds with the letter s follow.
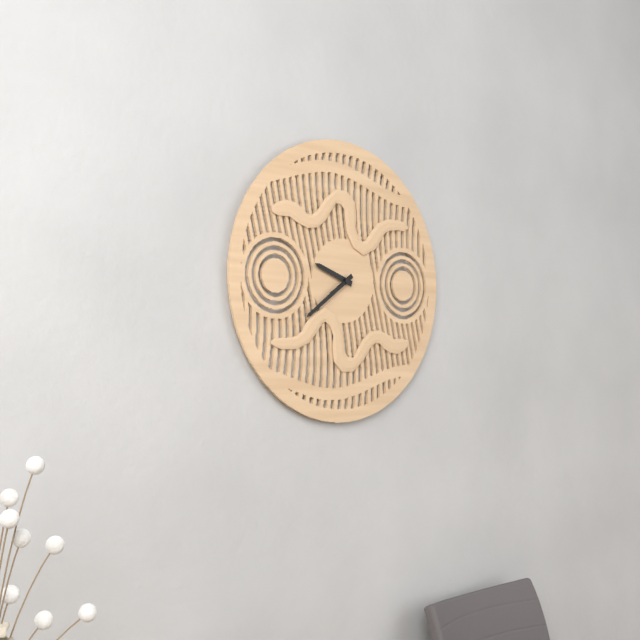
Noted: 9h39
